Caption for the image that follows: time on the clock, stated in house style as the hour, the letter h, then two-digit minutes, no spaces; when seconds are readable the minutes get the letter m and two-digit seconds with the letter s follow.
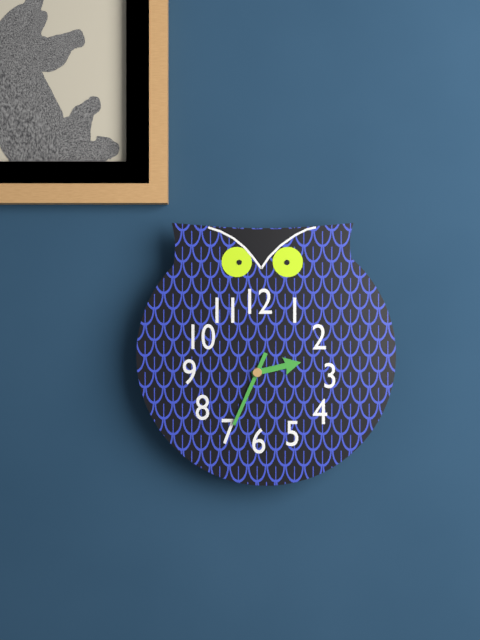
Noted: 2h34
